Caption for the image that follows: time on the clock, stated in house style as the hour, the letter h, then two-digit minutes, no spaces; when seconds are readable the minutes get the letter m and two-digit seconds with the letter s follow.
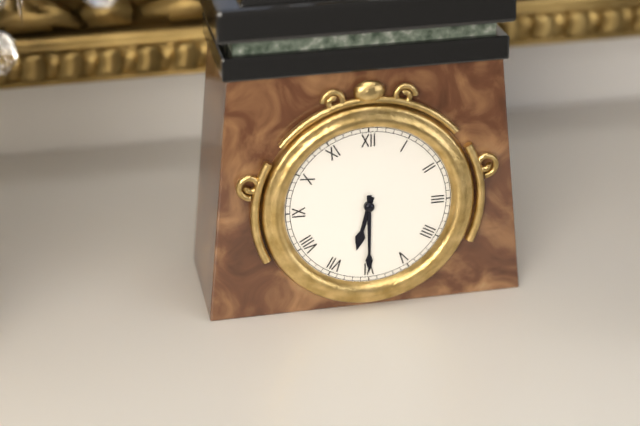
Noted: 6h30
